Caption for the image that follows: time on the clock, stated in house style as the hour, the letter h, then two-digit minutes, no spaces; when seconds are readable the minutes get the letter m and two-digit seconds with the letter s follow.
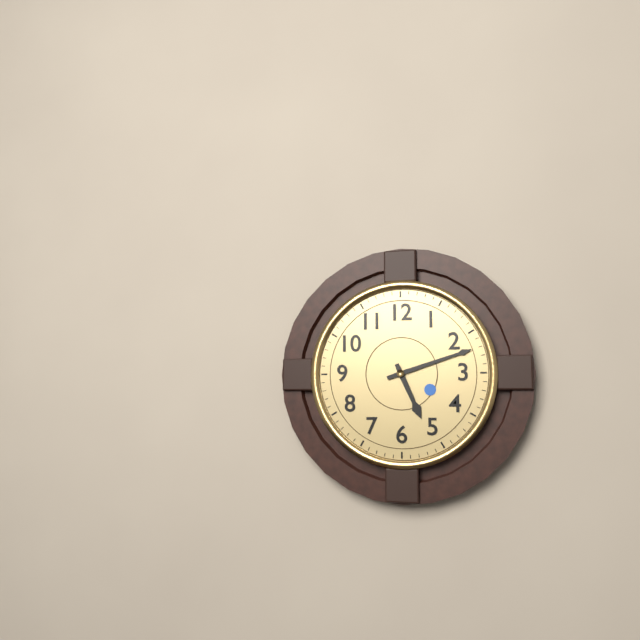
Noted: 5h12
